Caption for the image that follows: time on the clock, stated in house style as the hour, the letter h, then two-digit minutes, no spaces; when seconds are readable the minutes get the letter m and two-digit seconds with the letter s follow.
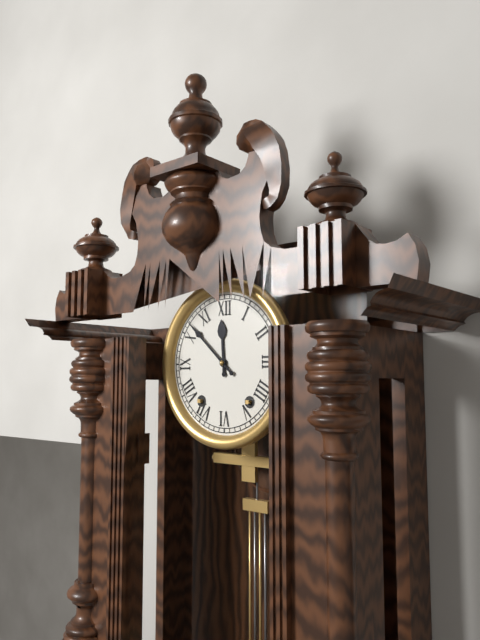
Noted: 11h52
